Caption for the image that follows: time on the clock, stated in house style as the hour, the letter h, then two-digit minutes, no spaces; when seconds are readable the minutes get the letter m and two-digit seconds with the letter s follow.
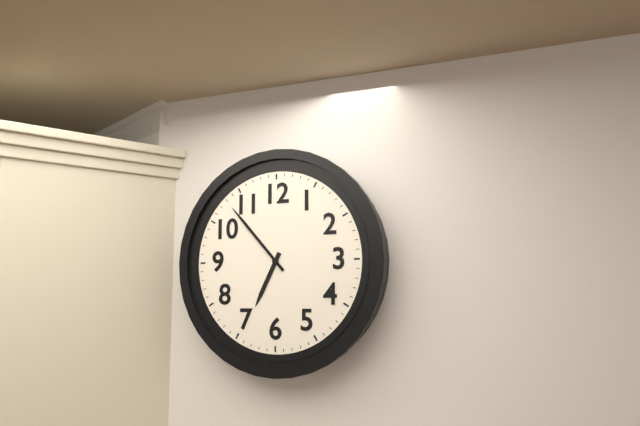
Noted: 6h53
